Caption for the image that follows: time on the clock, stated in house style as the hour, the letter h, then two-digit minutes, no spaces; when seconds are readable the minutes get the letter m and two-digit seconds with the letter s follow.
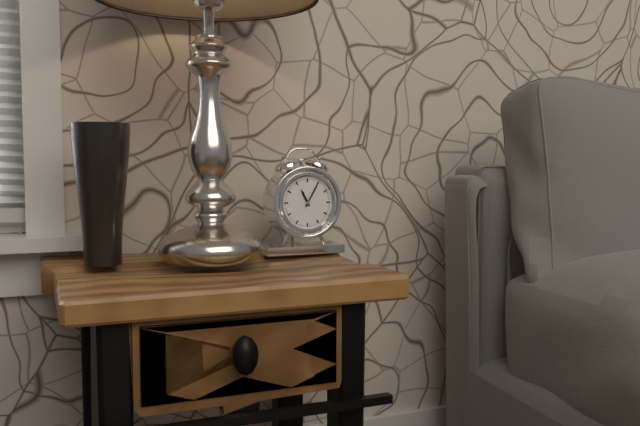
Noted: 11h05
